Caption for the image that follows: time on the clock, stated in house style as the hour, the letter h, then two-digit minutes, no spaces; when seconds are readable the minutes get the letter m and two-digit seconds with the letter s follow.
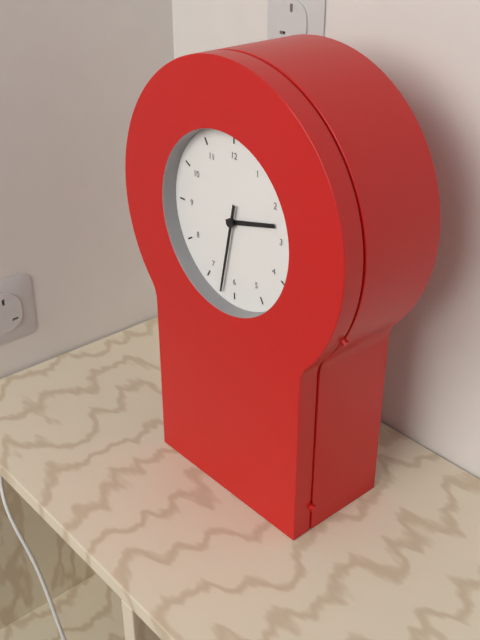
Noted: 2h32
